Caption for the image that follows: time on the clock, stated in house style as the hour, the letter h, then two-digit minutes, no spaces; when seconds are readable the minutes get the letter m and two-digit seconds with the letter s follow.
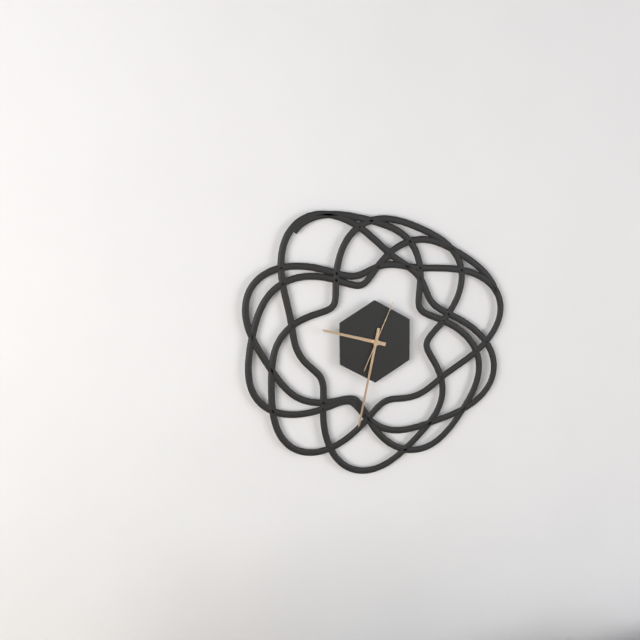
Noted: 9h32m04s
